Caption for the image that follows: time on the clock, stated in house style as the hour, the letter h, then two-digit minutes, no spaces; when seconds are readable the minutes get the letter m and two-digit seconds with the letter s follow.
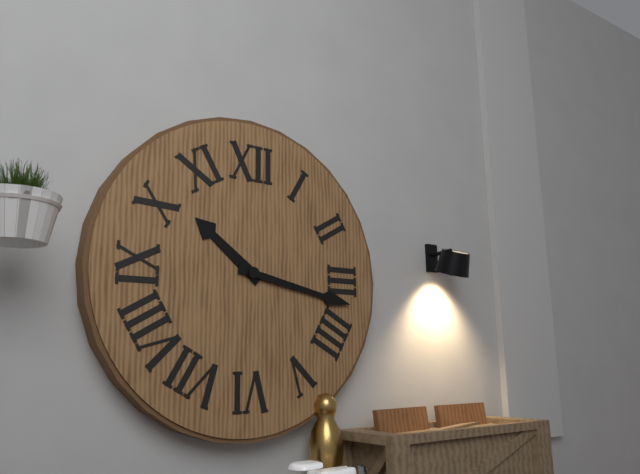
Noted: 10h17
